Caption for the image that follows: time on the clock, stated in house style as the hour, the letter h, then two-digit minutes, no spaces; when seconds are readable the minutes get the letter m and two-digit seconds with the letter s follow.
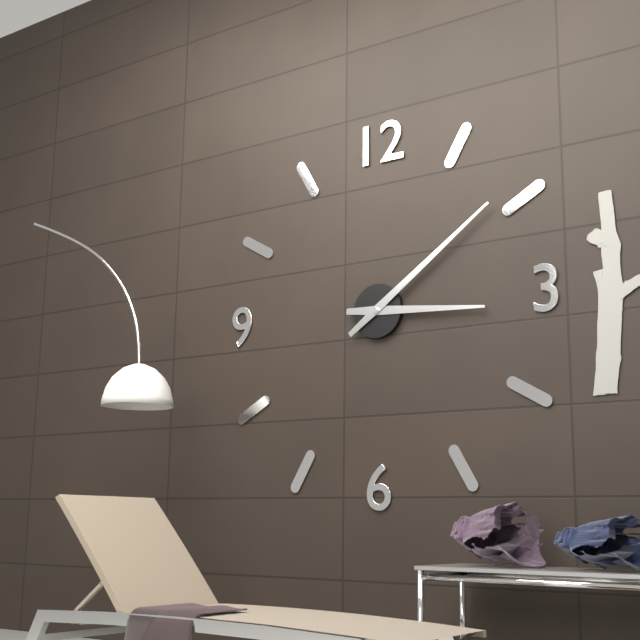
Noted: 3h09
